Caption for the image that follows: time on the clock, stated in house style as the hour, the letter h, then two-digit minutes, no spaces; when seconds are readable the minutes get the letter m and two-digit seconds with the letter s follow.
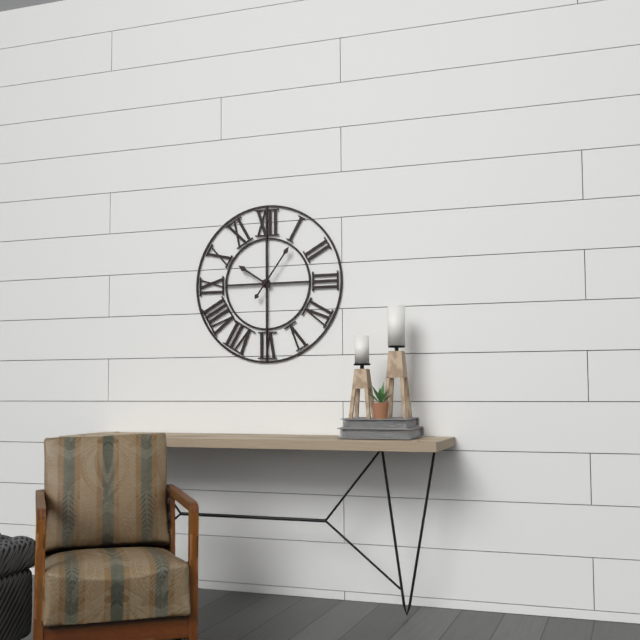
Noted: 10h06
